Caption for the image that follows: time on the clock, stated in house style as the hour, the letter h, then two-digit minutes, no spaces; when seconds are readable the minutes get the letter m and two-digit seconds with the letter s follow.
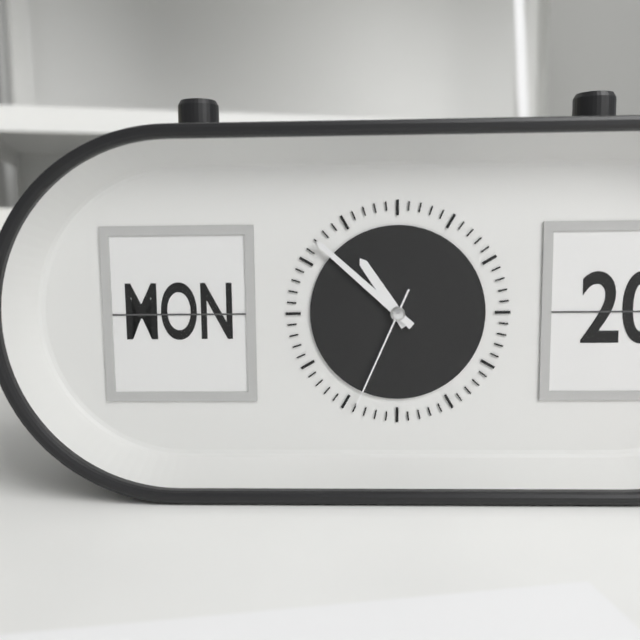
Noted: 10h52m34s
